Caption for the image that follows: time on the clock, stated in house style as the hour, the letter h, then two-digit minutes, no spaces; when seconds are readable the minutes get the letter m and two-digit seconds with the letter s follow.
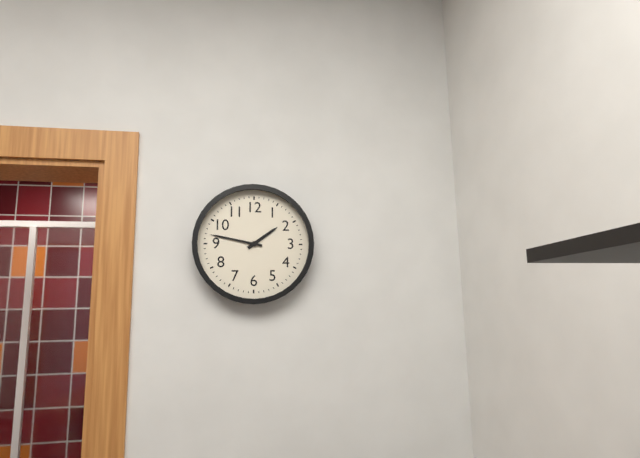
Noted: 1h47
